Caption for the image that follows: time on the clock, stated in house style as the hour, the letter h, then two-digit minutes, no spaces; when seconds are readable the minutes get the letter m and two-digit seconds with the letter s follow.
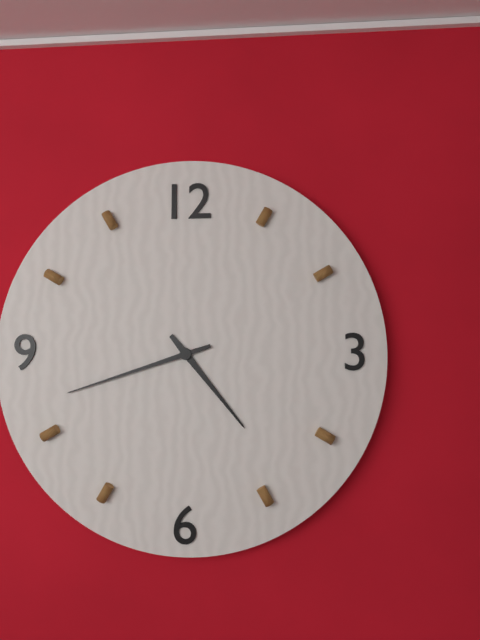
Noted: 4h42
